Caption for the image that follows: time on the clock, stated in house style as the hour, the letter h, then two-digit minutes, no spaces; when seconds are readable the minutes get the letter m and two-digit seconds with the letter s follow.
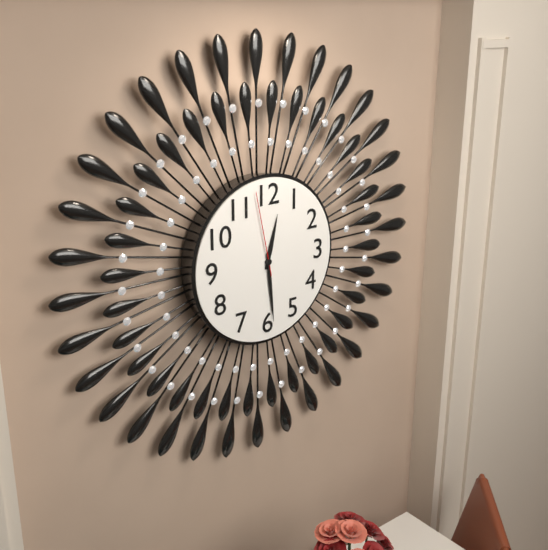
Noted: 12h29m58s
